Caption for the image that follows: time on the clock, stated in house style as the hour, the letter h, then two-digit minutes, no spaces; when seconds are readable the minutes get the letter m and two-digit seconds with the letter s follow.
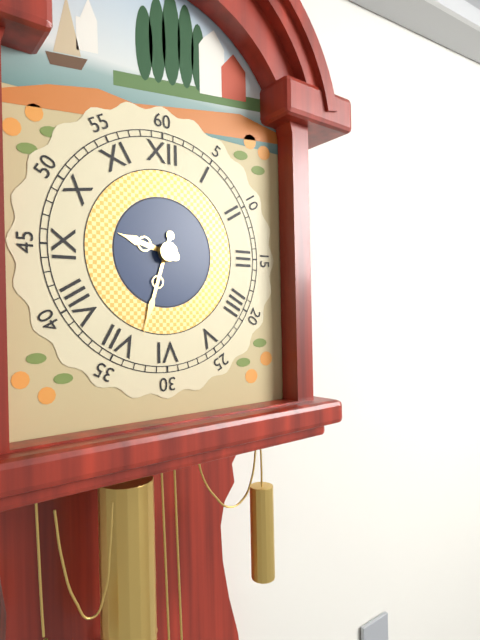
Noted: 9h33
